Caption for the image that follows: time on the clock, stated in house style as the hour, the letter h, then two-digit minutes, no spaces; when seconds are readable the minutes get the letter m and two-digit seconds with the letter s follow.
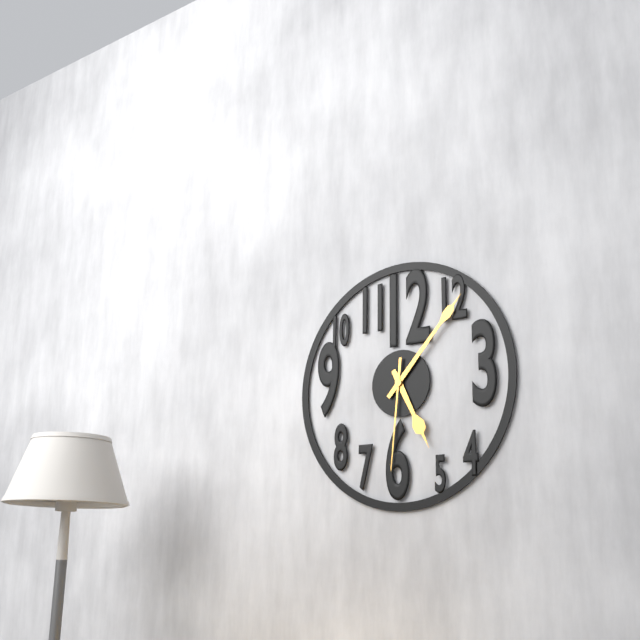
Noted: 5h07m31s
